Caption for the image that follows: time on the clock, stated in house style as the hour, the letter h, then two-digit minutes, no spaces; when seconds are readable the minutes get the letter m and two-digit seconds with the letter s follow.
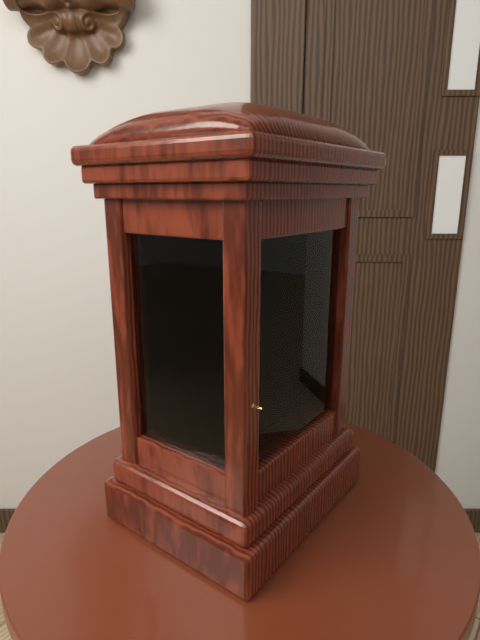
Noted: 1h12
